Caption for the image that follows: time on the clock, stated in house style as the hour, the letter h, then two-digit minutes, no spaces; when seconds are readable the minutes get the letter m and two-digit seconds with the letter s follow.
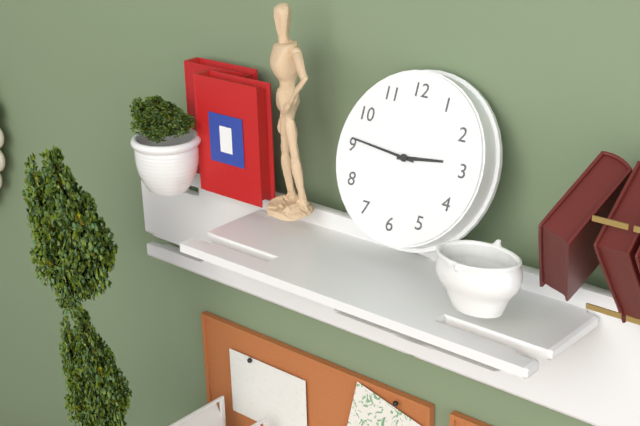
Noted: 2h46
